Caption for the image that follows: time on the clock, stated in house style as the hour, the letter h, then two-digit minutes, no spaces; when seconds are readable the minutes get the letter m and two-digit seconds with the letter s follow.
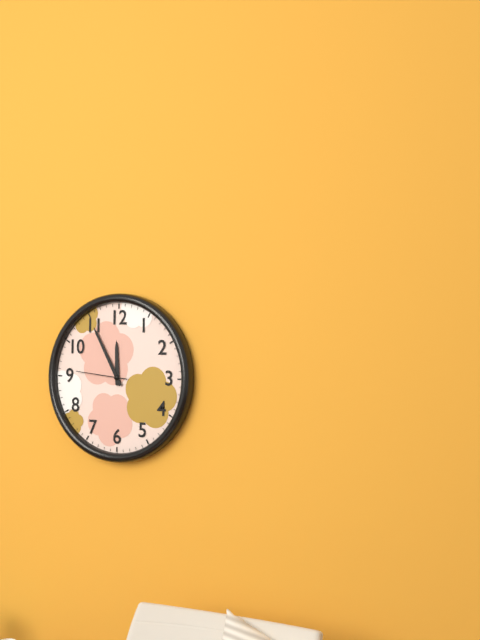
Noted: 11h55m46s
